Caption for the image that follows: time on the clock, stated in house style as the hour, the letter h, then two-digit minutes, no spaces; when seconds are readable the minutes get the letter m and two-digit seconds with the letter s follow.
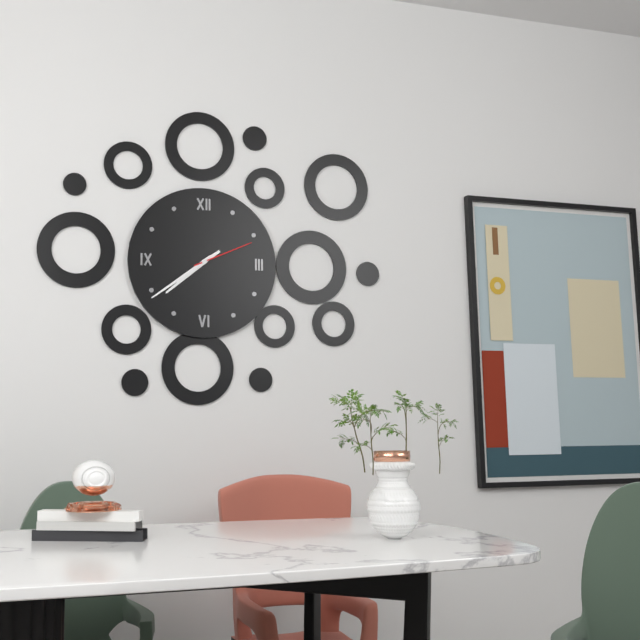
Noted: 7h39m11s
